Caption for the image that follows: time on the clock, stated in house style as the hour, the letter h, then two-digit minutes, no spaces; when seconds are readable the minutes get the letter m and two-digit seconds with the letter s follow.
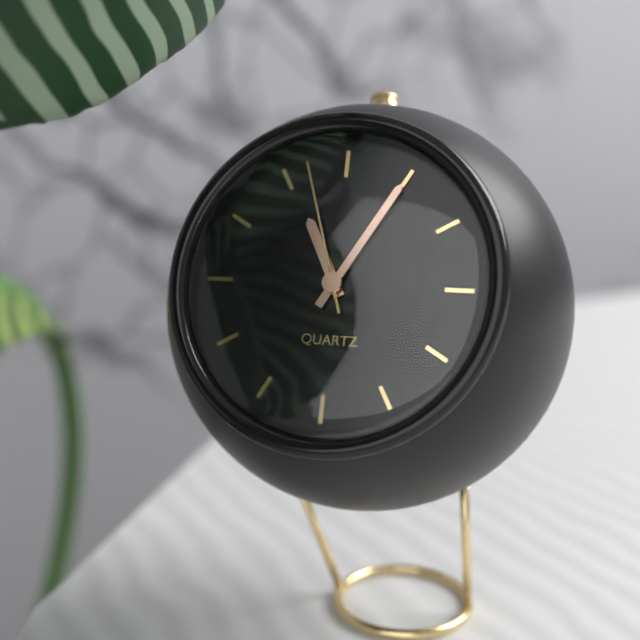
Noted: 11h05m57s
